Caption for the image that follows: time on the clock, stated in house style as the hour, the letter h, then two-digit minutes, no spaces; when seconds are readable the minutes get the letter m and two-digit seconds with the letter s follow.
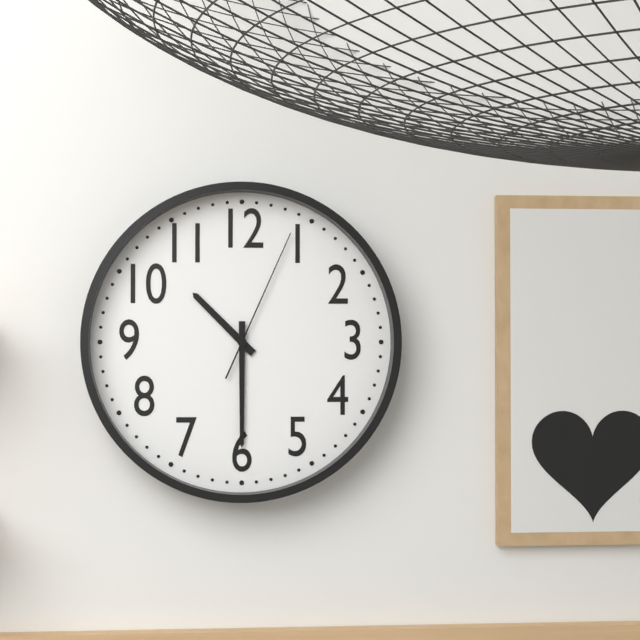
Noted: 10h30m04s
